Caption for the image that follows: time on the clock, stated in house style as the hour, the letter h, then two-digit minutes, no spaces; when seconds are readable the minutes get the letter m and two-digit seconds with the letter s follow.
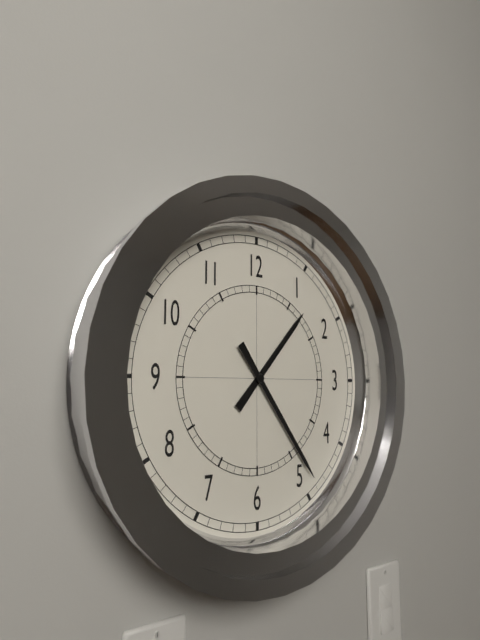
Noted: 1h24
